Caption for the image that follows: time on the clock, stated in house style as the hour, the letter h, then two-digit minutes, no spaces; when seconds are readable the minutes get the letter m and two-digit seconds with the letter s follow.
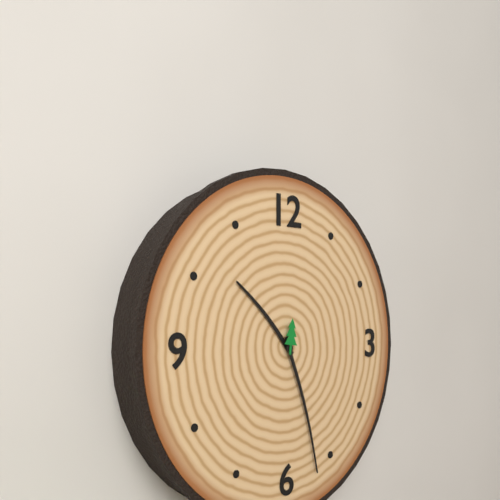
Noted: 10h27
